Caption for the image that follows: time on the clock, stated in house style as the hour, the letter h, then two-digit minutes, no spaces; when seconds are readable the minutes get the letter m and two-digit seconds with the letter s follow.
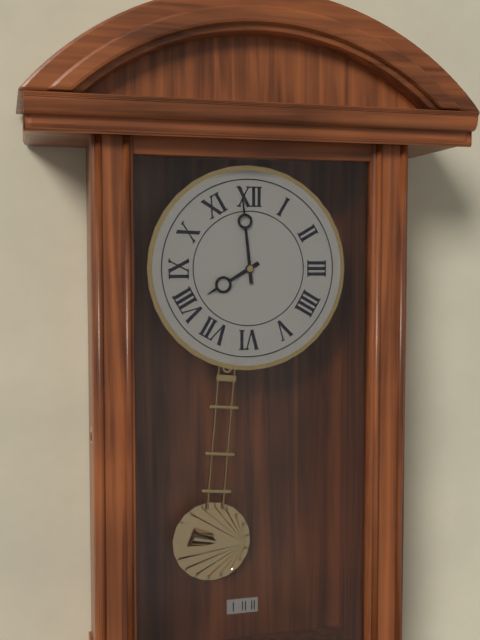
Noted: 7h59
